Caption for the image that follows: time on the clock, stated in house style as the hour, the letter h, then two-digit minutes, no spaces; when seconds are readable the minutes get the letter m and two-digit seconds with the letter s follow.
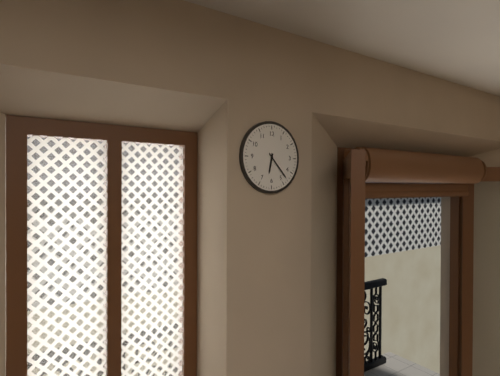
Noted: 6h23
